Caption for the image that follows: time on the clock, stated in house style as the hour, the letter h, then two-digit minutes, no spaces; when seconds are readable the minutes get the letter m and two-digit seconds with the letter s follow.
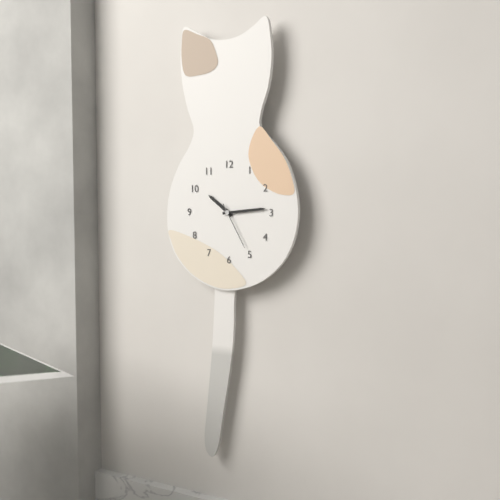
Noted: 10h14
